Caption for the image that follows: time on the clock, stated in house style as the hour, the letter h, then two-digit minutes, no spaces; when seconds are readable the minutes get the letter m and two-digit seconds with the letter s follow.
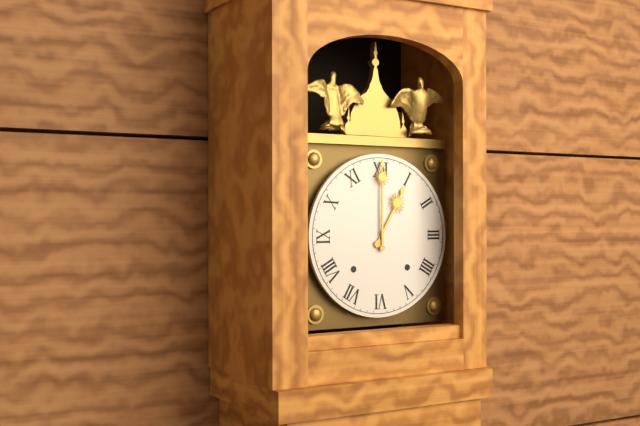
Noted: 1h00
